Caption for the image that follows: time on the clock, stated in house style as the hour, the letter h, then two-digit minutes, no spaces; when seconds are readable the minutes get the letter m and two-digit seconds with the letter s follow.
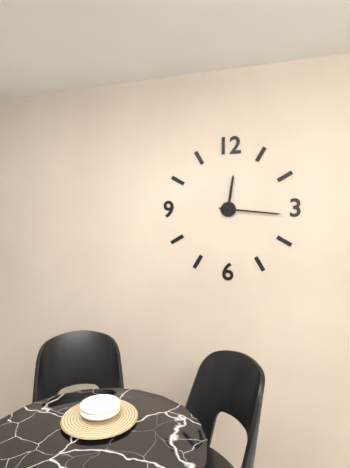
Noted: 12h16
